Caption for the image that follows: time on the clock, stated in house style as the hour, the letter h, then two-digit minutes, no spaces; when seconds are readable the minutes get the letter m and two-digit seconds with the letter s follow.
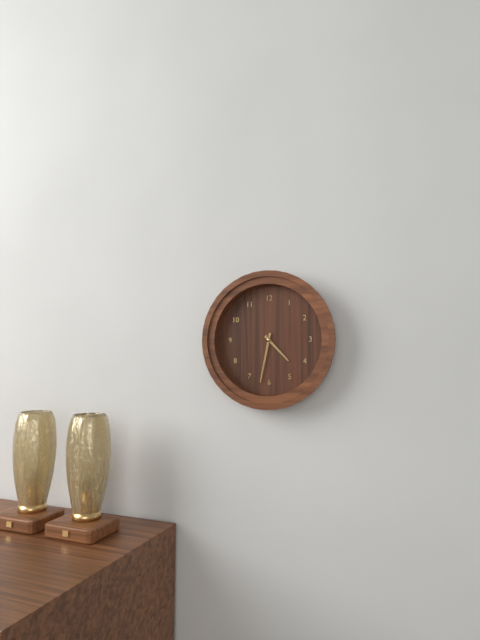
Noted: 4h32
